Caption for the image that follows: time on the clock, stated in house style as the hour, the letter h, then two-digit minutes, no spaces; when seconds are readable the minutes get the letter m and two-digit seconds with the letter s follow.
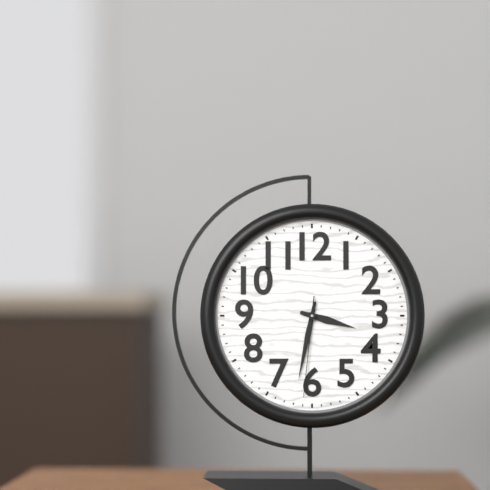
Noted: 3h32m31s
